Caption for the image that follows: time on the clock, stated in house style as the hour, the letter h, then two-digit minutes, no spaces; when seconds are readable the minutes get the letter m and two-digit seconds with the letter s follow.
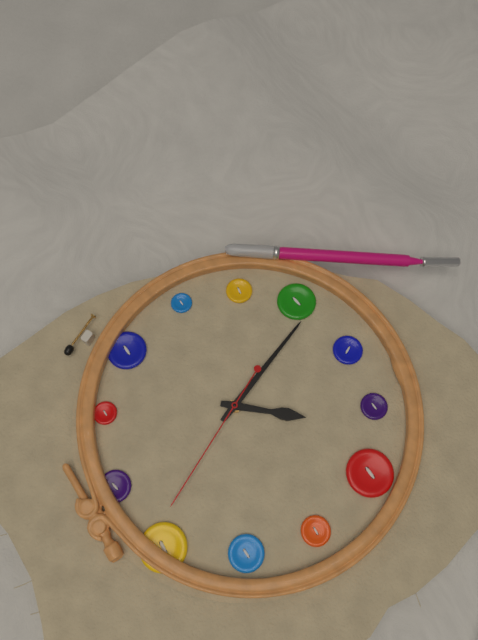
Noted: 7h27m56s
